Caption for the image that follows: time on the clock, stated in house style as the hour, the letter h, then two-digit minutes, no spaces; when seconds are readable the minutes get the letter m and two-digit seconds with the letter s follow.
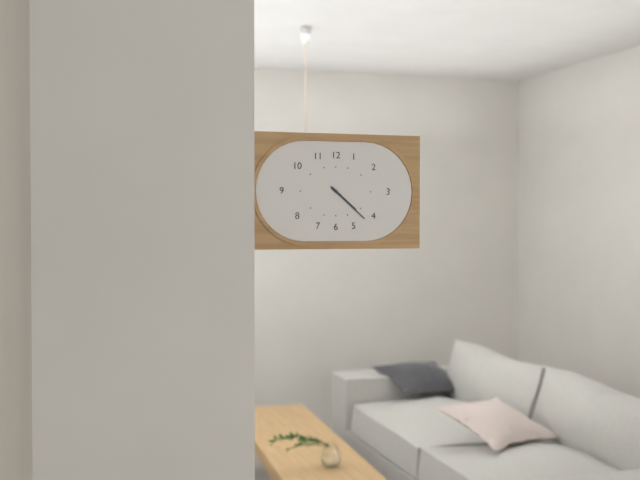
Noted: 4h22
